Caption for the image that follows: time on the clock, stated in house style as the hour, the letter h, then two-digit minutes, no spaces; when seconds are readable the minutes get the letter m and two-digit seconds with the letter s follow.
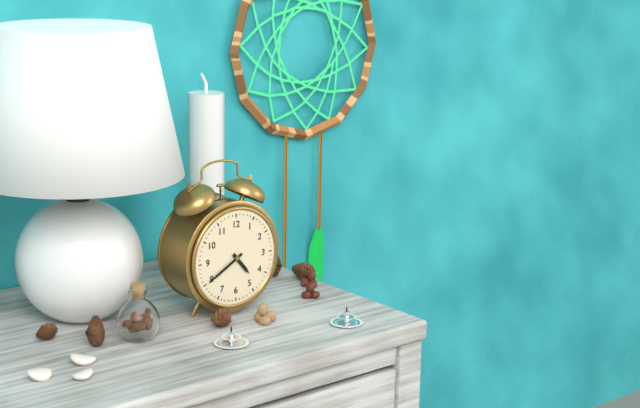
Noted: 4h40
